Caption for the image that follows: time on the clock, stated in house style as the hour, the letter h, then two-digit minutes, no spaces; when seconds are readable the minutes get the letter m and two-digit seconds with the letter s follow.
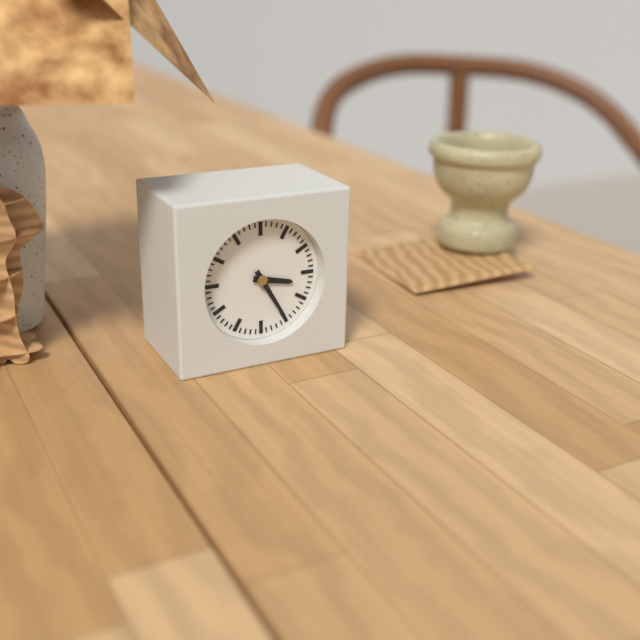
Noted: 3h25
